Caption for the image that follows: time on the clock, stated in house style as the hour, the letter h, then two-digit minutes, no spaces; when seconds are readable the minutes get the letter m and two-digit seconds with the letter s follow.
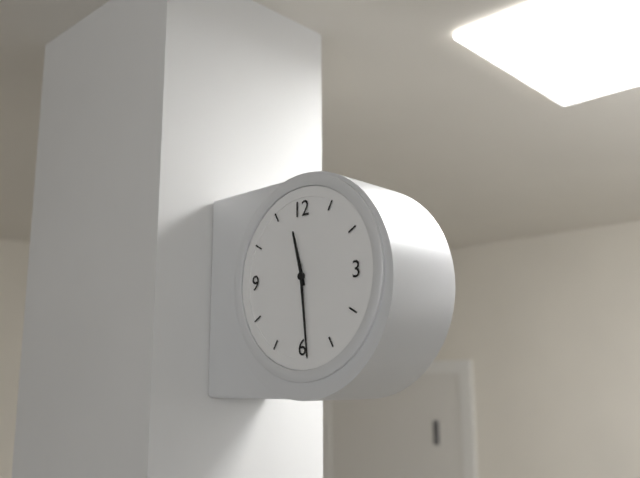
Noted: 11h29
